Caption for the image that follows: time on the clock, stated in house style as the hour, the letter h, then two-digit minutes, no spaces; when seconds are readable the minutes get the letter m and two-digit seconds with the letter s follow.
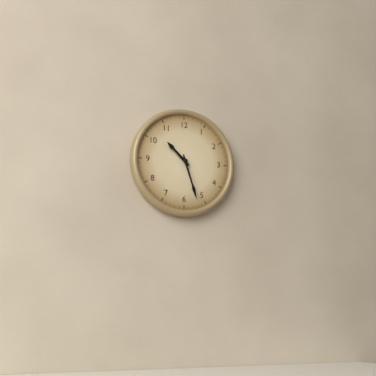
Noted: 10h27
